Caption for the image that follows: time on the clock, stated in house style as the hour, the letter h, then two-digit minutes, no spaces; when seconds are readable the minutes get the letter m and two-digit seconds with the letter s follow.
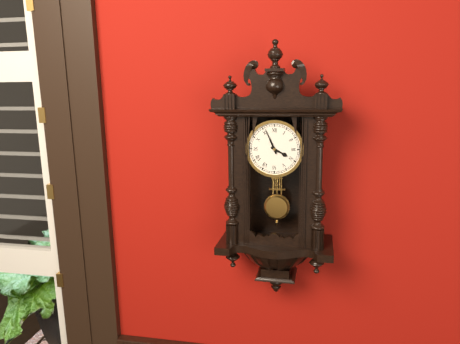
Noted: 3h56
